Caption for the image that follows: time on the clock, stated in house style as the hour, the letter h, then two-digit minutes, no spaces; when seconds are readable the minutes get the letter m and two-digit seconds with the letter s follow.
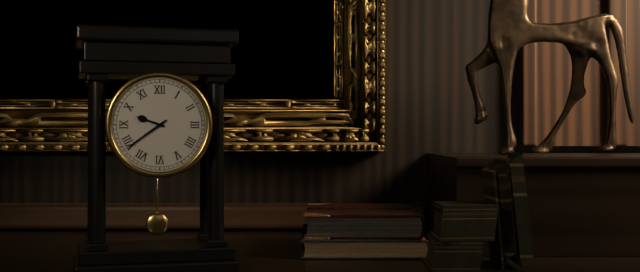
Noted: 9h39
